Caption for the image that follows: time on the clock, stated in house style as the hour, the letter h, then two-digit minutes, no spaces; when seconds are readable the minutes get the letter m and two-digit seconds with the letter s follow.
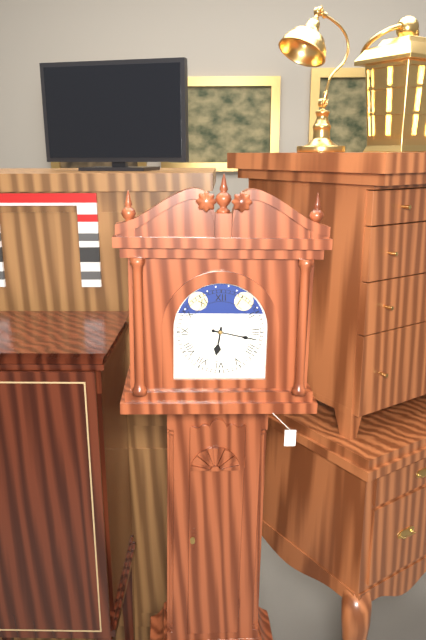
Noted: 6h17
